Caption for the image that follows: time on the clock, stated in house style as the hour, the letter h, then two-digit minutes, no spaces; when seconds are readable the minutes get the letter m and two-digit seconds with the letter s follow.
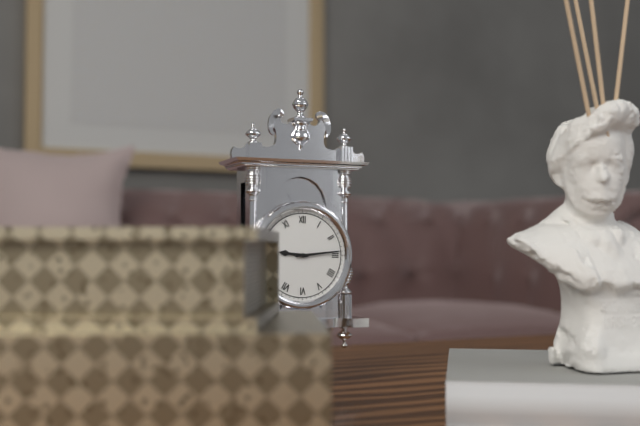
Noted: 9h14
